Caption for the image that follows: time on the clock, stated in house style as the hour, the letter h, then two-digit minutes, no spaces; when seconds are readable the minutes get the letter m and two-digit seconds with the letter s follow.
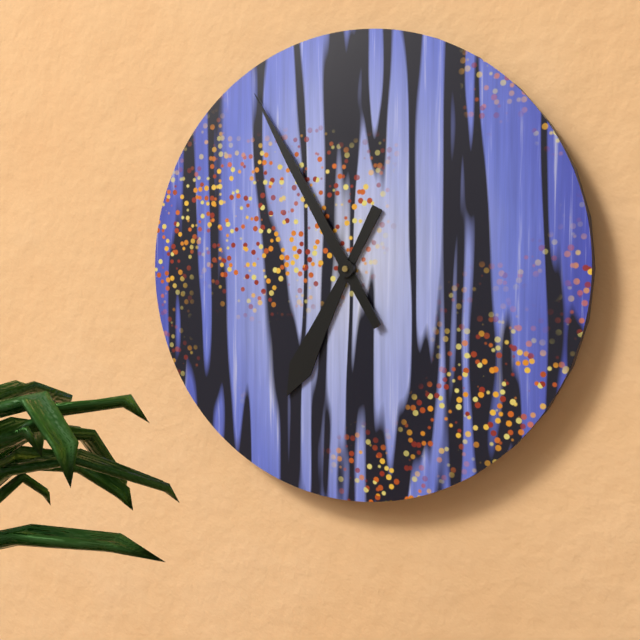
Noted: 6h55
